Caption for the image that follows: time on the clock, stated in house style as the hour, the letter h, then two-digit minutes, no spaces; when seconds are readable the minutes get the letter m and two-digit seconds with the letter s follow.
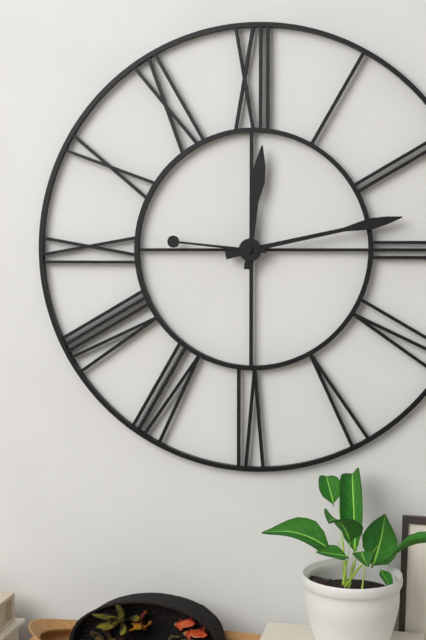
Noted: 12h13m46s
